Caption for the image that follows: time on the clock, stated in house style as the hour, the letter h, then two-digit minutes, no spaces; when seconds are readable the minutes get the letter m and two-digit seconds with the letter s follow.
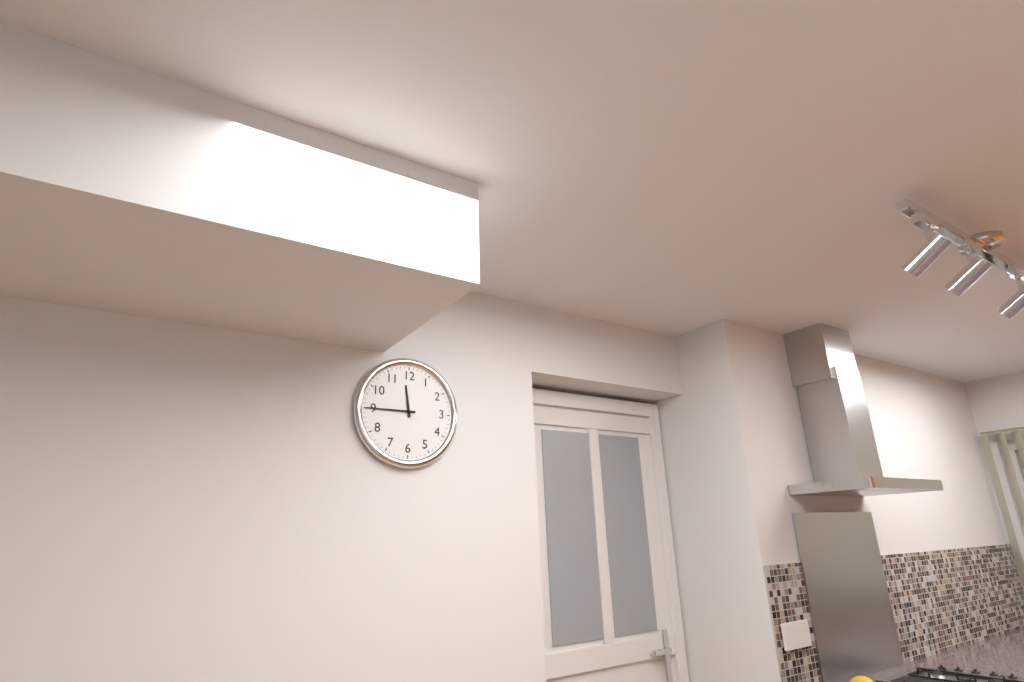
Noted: 11h45
